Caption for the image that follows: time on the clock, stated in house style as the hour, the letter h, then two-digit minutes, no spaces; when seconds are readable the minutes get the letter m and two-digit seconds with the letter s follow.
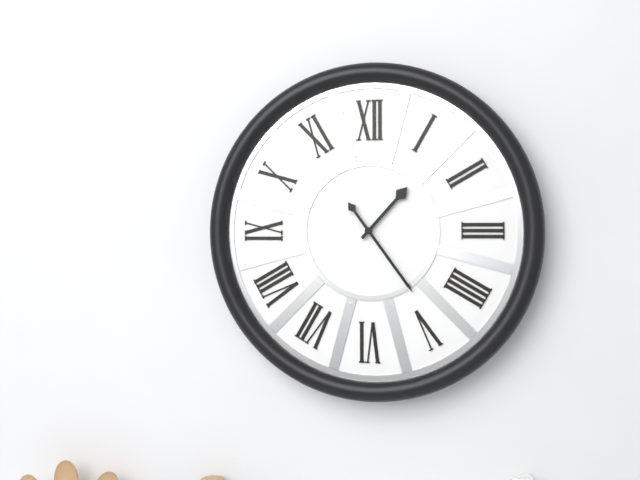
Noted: 1h24
